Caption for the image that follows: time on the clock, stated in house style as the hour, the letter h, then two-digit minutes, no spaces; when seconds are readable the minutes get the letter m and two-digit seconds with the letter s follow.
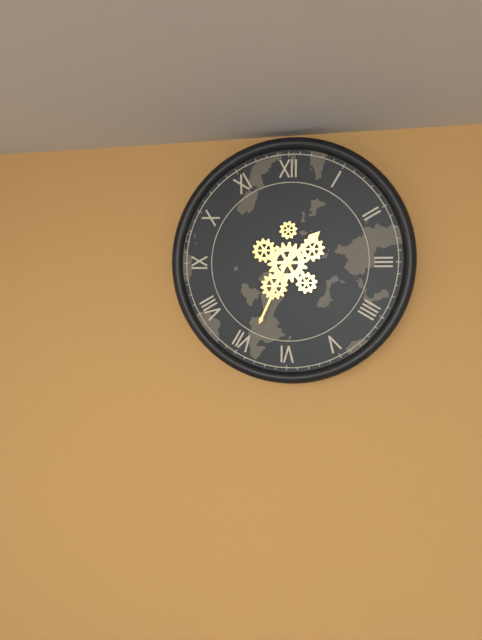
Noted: 1h34
